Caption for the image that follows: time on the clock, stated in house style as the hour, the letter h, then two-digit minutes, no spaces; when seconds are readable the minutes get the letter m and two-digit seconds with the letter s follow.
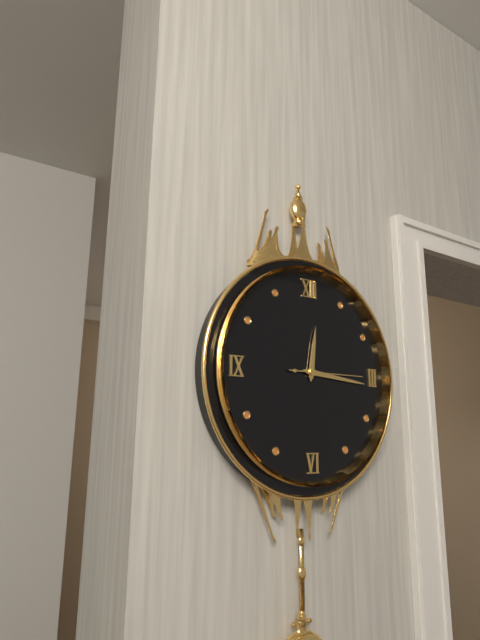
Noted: 12h16m15s
